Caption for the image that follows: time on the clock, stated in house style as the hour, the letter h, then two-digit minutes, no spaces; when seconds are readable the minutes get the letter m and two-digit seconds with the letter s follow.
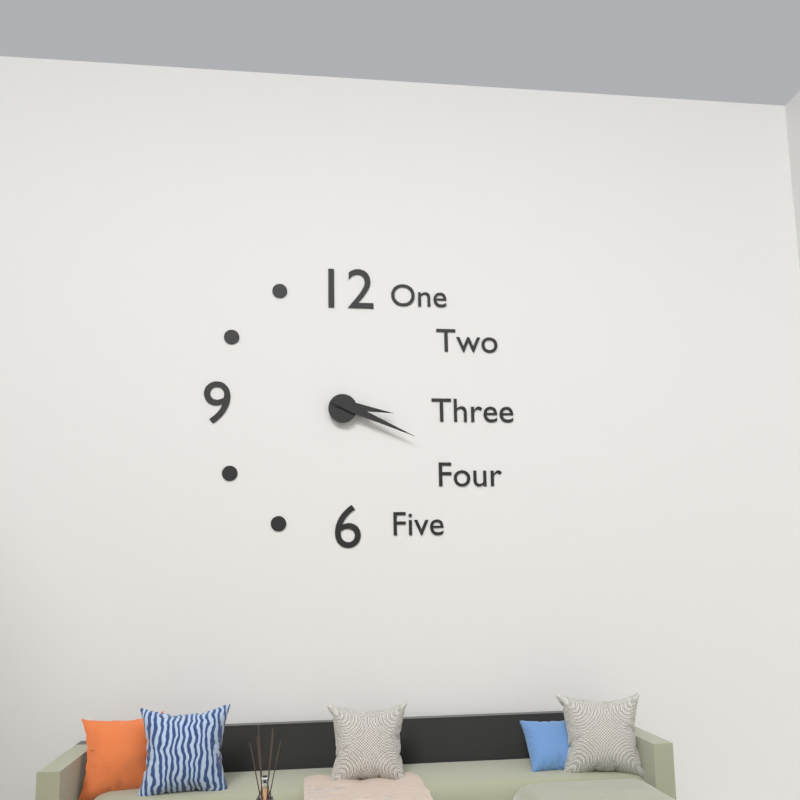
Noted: 3h19
